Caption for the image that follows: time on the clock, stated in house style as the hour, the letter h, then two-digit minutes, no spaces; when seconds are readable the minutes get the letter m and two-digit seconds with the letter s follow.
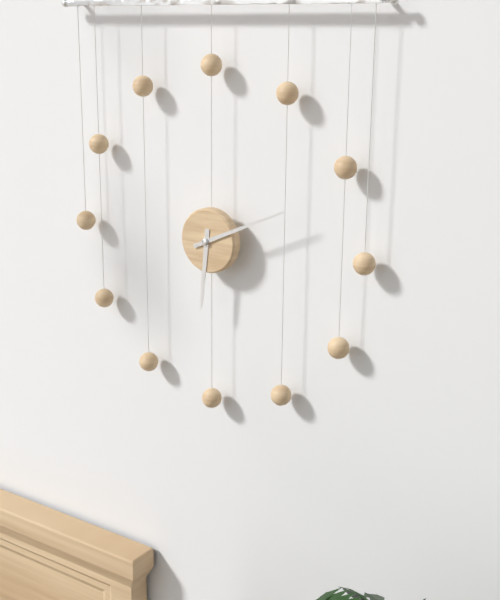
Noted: 6h11
